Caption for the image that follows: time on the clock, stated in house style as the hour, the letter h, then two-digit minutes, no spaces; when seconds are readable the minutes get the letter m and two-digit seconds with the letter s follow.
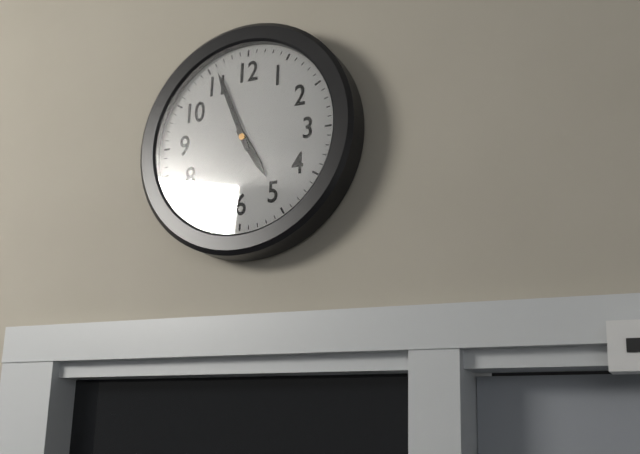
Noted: 4h56
